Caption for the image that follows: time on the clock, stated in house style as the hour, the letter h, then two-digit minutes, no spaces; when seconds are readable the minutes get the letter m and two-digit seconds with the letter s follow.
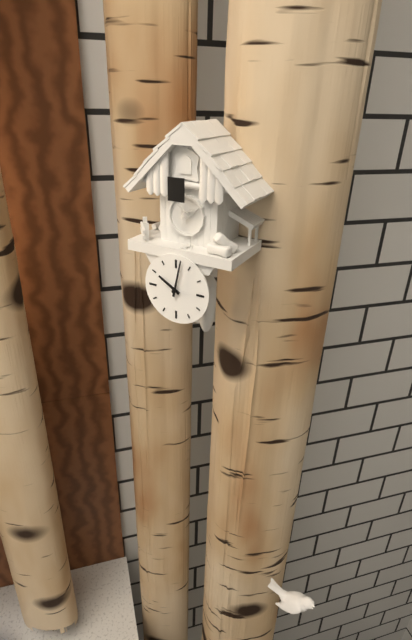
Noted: 10h02
